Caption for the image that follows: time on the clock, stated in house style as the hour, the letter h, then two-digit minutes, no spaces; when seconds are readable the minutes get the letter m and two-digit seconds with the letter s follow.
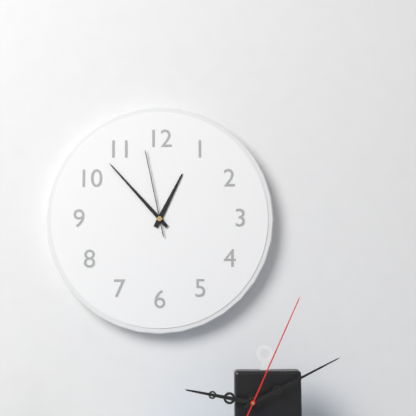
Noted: 12h53m58s
